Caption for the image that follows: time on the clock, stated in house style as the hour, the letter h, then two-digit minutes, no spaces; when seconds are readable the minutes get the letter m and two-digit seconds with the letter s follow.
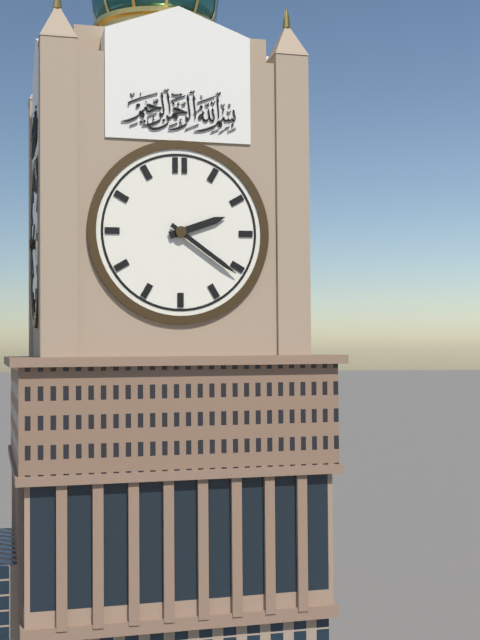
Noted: 2h21
